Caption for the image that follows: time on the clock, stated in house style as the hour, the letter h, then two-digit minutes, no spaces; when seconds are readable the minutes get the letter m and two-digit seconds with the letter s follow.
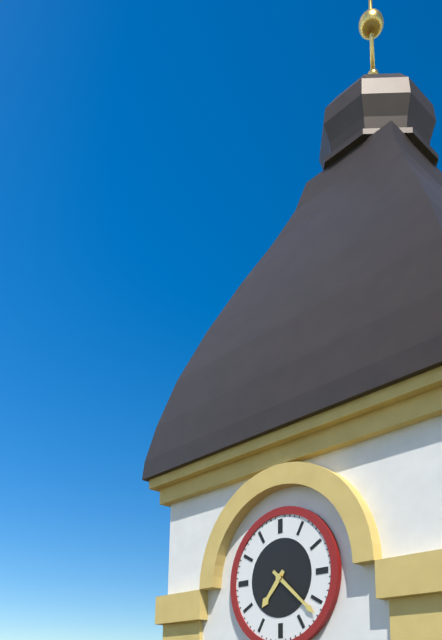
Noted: 7h22
